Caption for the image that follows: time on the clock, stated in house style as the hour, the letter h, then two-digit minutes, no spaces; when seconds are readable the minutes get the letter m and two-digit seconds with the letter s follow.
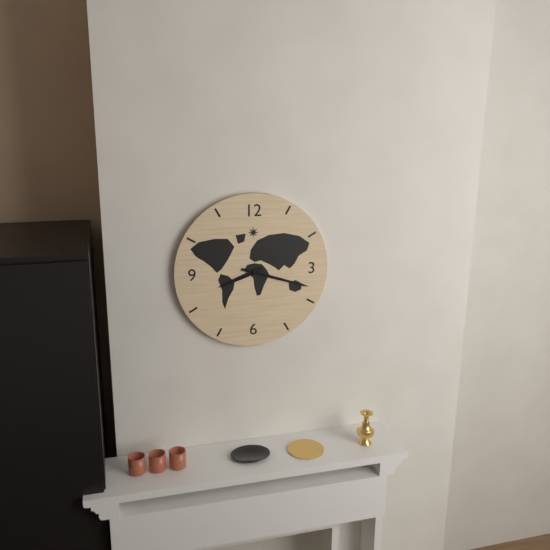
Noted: 8h18
